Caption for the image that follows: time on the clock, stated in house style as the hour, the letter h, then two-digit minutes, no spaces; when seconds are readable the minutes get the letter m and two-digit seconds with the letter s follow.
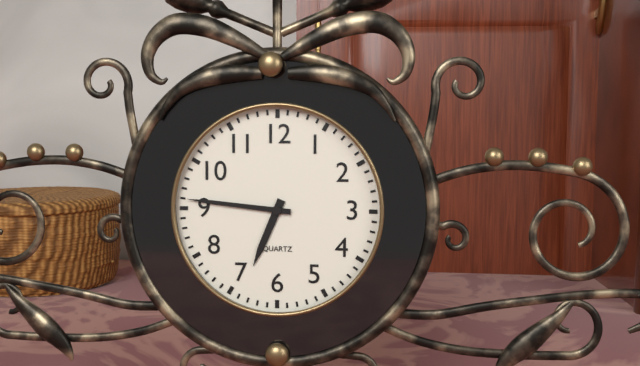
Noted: 6h46
